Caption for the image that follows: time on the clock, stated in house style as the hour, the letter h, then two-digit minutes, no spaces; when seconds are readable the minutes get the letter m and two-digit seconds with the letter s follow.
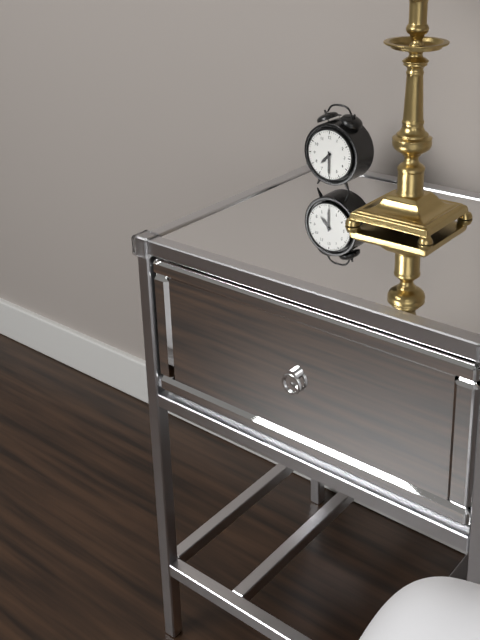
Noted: 7h30
